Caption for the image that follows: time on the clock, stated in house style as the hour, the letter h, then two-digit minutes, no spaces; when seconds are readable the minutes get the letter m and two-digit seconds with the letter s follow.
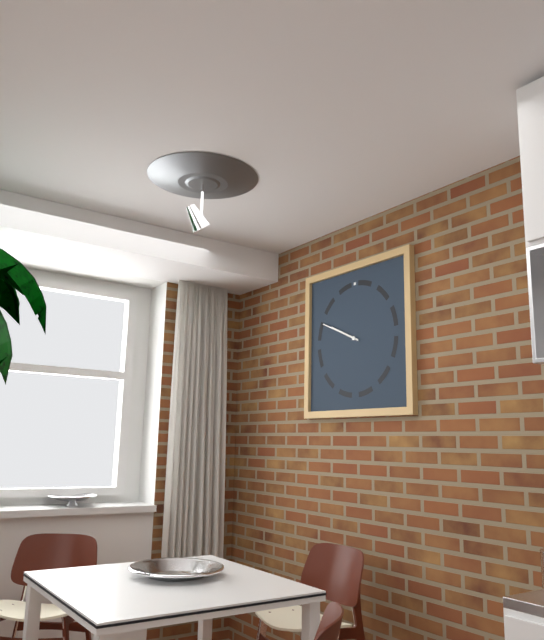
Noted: 9h49
